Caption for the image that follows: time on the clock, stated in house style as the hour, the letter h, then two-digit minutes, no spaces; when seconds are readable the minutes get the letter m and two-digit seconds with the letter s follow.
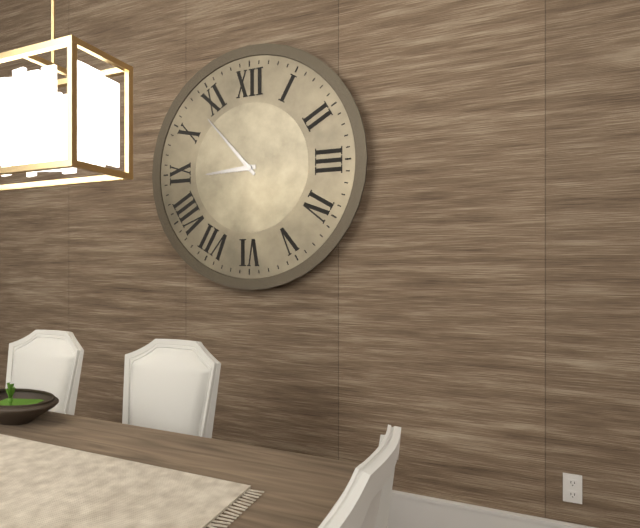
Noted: 8h53
